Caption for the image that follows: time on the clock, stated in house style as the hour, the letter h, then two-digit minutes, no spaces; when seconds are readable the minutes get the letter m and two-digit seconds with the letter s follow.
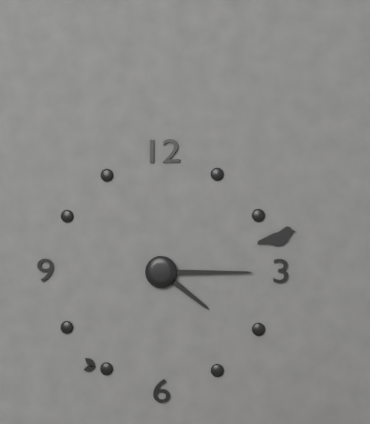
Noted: 4h15
